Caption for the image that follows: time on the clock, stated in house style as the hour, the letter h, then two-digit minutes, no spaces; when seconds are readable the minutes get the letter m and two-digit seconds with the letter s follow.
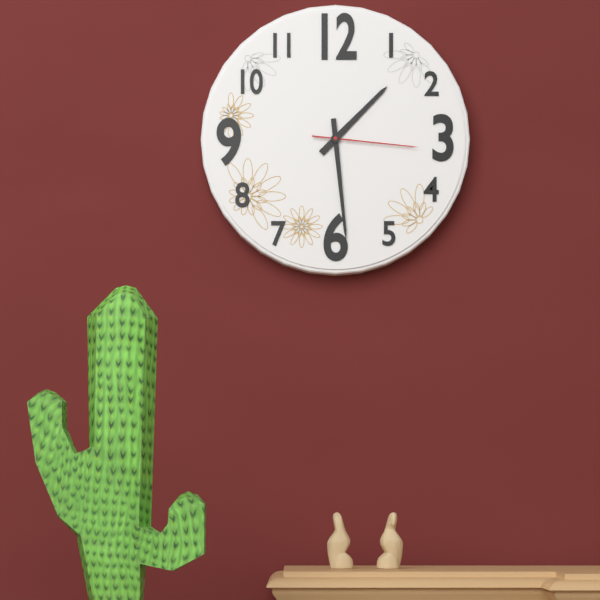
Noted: 1h29m16s
